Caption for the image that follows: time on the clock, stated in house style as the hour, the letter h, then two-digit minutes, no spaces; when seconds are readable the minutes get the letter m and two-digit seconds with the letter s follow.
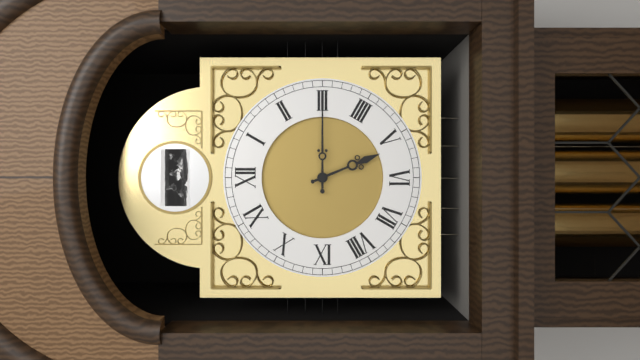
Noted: 5h15
